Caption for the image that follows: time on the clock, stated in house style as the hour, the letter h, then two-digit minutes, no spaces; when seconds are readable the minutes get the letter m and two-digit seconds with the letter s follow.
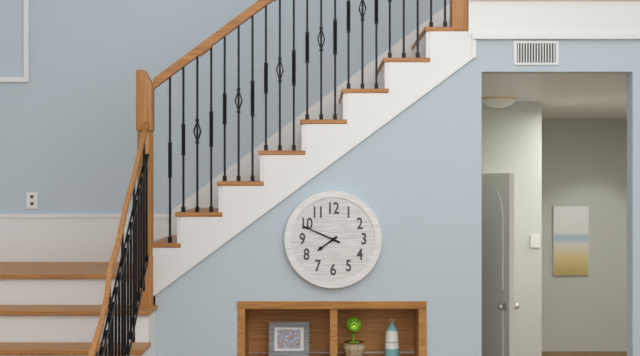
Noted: 7h49
